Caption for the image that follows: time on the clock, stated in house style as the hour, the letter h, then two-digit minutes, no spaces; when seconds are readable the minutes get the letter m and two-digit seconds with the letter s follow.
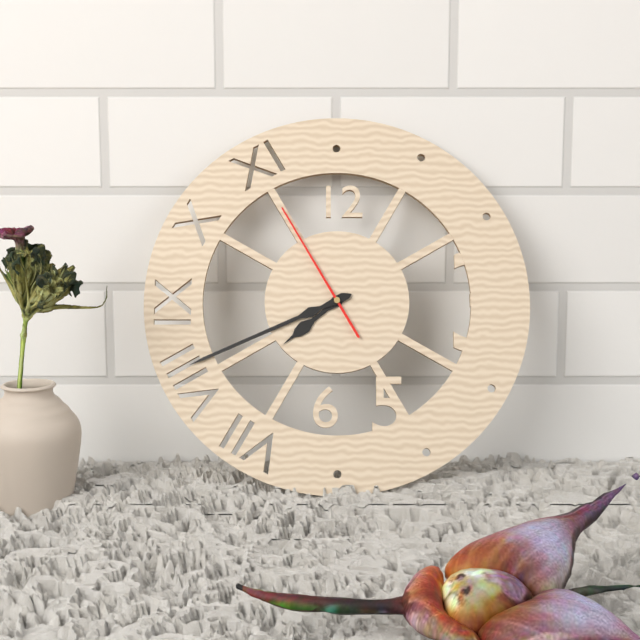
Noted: 7h41m55s
